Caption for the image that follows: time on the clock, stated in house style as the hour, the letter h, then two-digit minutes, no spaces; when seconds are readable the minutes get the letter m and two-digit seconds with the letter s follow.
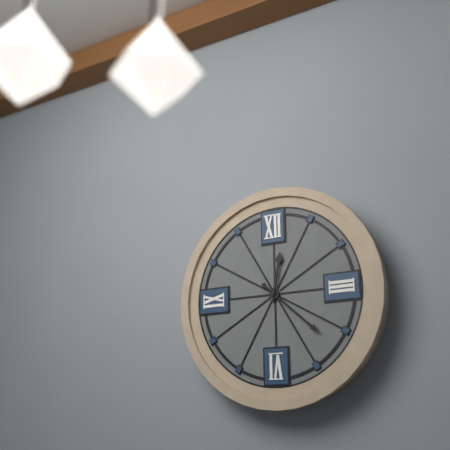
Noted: 12h22
